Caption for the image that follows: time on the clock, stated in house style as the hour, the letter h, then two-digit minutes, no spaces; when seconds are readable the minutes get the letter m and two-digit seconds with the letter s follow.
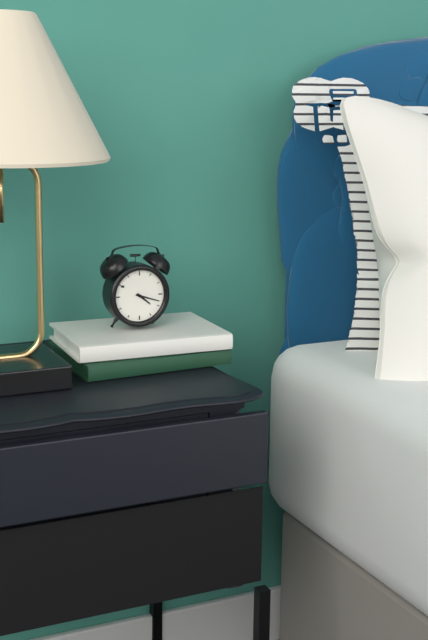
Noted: 4h18
